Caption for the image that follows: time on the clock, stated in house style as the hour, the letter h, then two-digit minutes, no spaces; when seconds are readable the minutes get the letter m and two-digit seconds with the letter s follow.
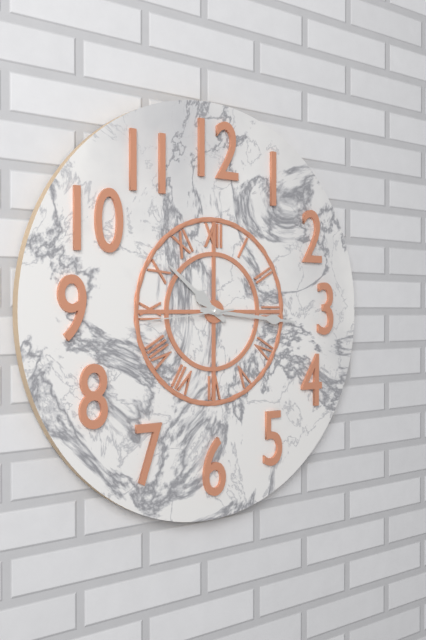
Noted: 10h16m44s
